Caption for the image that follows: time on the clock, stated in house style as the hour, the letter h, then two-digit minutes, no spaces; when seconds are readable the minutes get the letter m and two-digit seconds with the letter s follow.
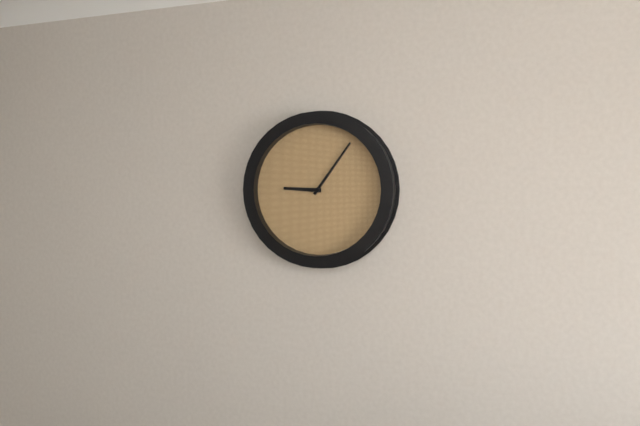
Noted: 9h06
